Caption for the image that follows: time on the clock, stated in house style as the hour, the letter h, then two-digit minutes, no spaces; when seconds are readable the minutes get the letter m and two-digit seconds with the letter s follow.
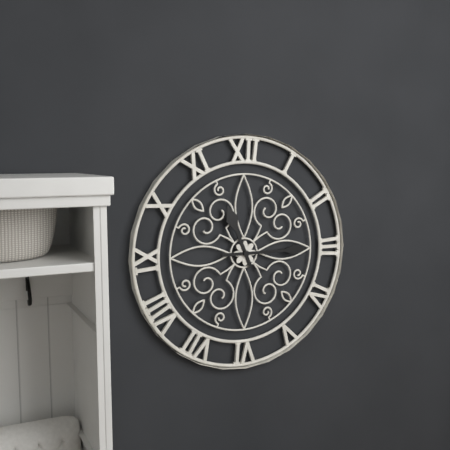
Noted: 11h15
